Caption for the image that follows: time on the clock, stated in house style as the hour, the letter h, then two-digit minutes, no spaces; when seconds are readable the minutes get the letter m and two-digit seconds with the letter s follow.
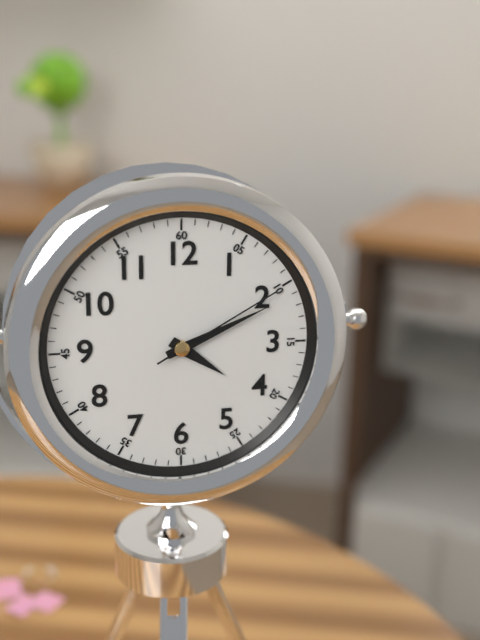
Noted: 4h11m10s
